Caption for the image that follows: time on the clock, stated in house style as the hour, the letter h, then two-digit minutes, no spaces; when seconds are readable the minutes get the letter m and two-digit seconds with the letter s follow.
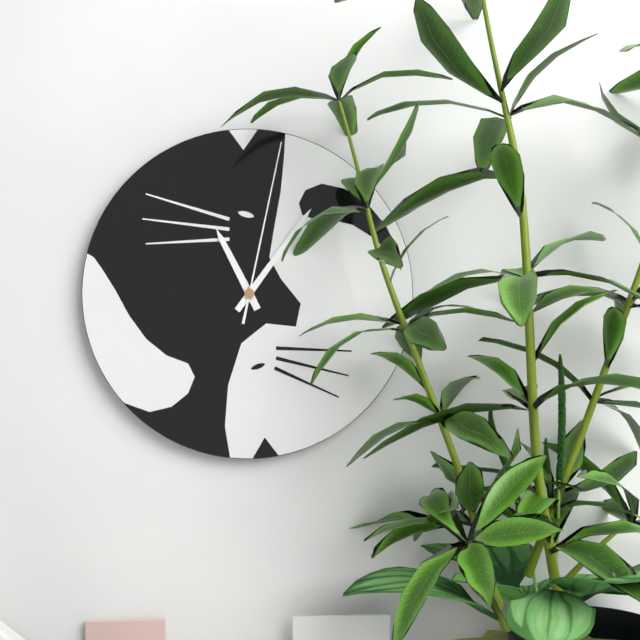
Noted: 11h06m02s
